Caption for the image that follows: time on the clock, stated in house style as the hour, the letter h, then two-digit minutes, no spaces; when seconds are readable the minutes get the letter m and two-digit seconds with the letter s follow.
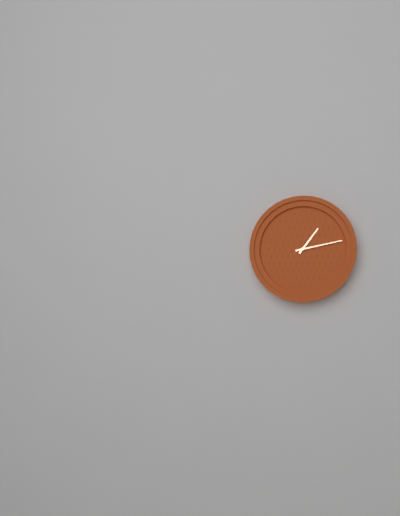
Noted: 1h13
